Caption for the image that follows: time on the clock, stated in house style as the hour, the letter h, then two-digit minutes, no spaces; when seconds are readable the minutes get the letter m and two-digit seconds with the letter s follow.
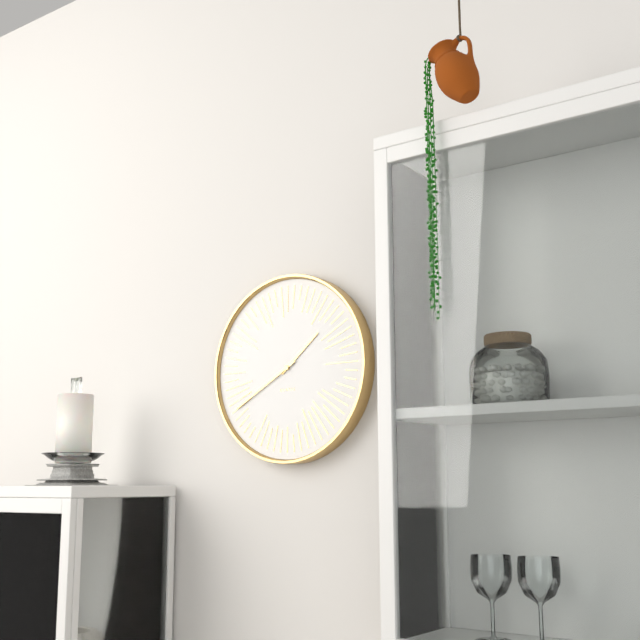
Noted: 1h40
